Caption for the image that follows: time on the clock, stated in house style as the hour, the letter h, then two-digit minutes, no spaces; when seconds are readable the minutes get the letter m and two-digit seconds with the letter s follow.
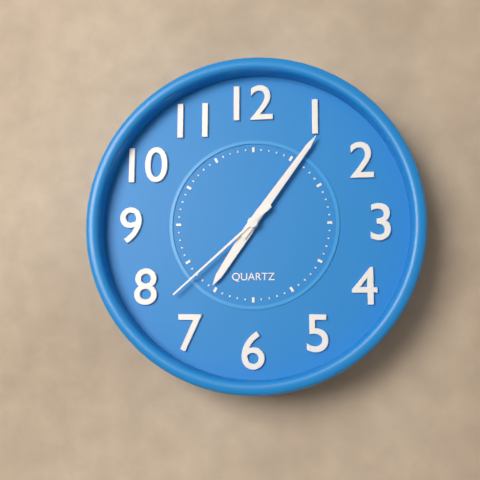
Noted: 7h06m38s
